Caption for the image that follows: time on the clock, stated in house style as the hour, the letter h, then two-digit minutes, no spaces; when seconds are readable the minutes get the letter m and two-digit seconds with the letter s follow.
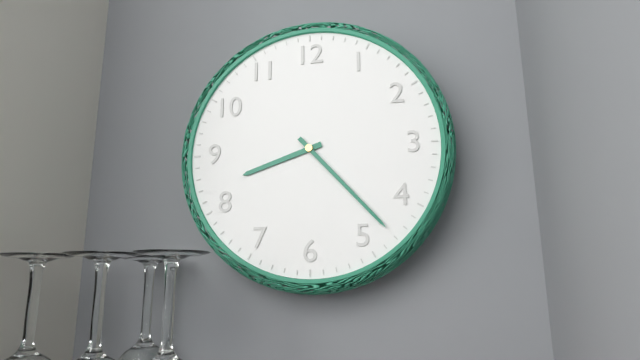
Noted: 8h23
